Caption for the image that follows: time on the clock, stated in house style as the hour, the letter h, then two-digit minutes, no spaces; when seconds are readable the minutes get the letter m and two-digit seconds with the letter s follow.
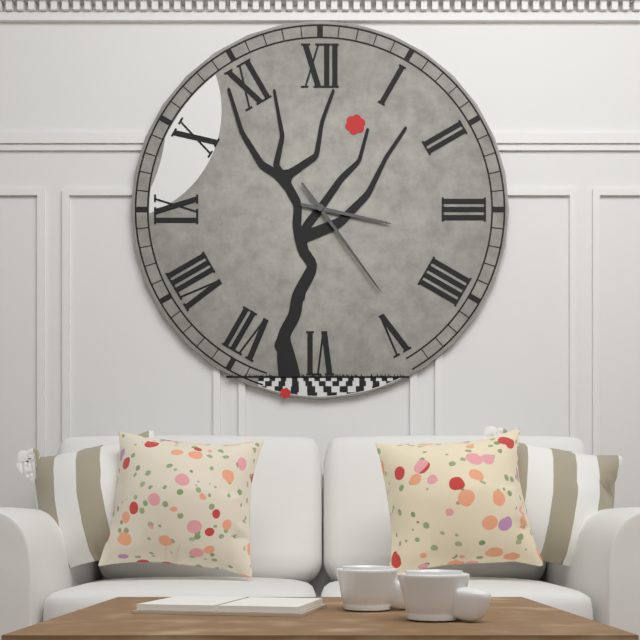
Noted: 3h24
